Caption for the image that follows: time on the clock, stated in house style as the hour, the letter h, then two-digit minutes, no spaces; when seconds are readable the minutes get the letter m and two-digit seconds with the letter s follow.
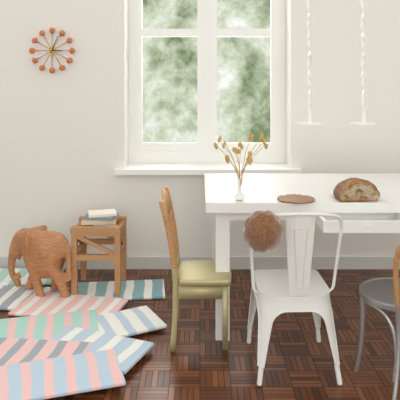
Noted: 3h04
